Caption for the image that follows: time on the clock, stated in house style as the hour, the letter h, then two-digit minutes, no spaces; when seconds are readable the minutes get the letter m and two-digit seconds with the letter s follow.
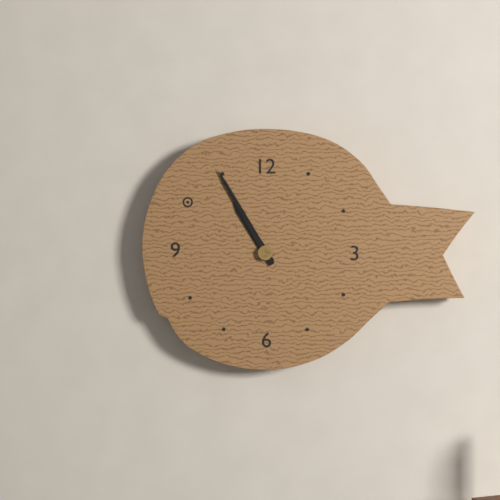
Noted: 10h55
